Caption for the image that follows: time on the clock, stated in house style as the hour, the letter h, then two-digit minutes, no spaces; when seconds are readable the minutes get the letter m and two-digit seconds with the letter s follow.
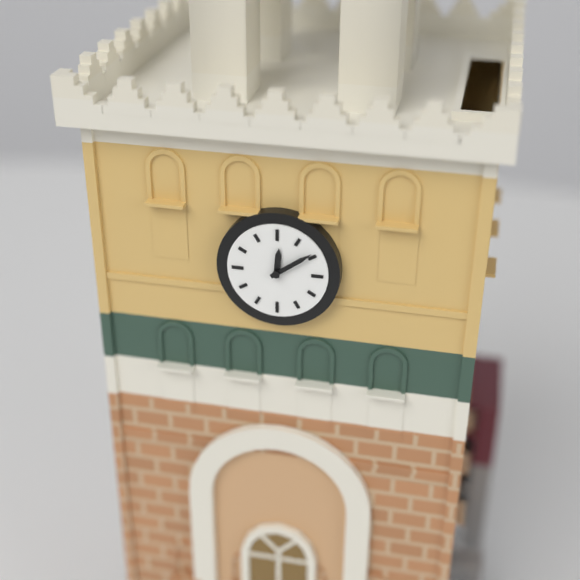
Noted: 12h09
